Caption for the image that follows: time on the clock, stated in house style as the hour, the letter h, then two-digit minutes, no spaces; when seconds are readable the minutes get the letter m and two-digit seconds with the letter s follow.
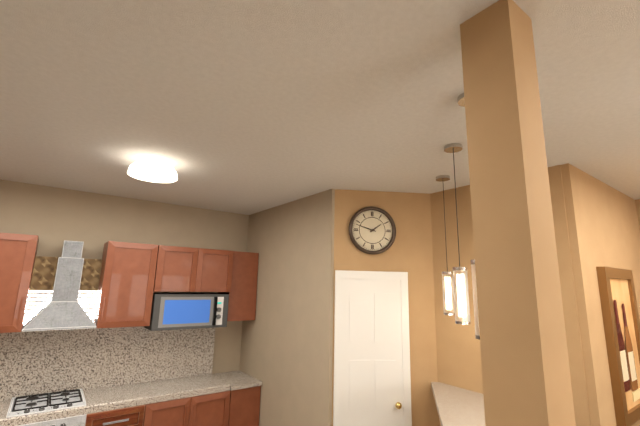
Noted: 1h48
